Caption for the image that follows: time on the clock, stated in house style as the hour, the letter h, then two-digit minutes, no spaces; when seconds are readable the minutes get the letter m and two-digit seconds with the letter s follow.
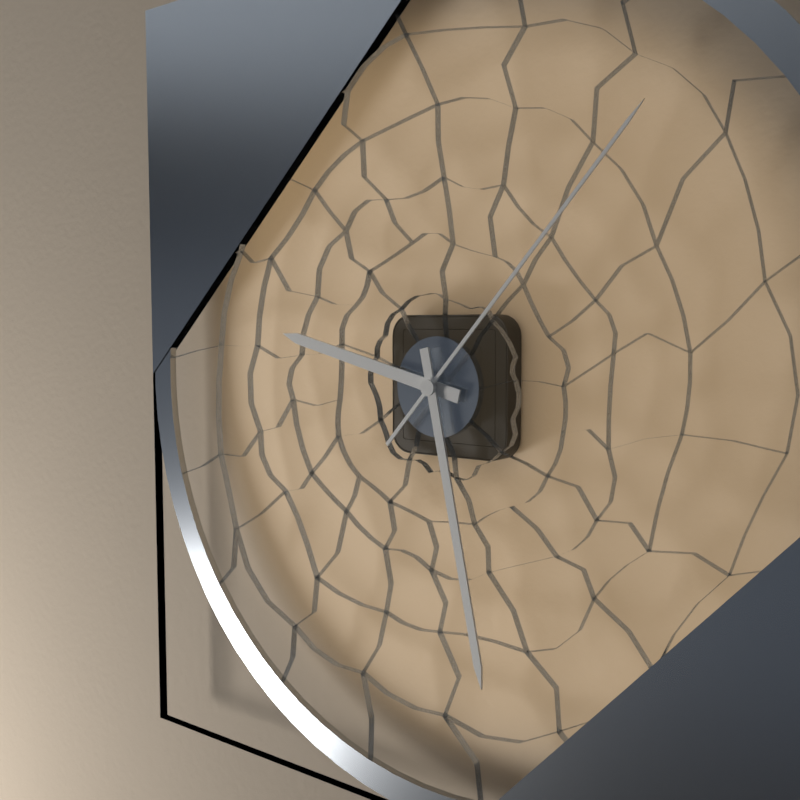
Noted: 9h28m07s
